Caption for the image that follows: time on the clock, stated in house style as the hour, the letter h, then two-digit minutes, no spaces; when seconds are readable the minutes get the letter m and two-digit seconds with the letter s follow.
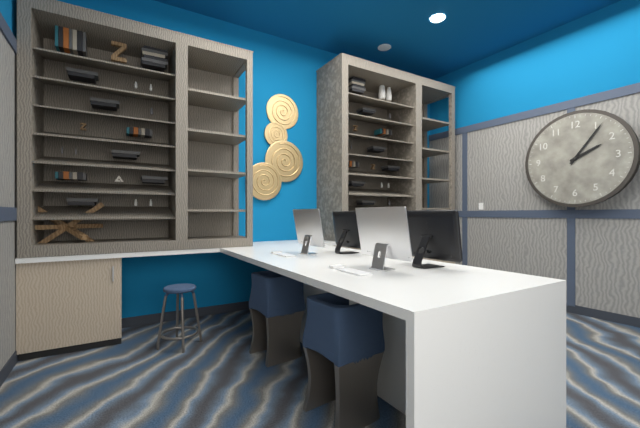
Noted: 2h06
